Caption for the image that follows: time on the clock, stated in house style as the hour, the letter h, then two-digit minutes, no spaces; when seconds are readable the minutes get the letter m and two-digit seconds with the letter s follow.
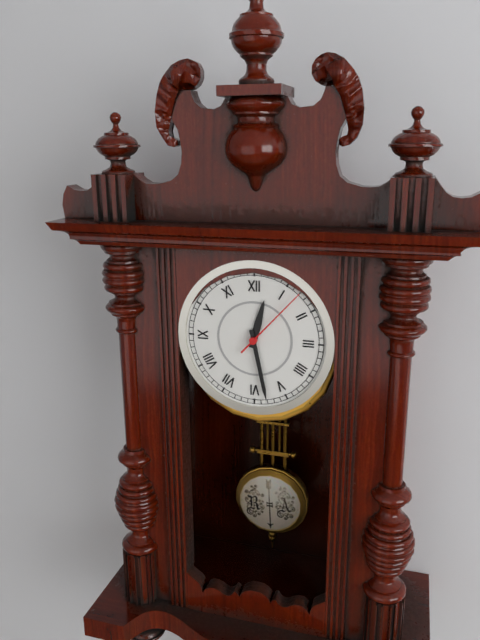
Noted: 12h28m07s
